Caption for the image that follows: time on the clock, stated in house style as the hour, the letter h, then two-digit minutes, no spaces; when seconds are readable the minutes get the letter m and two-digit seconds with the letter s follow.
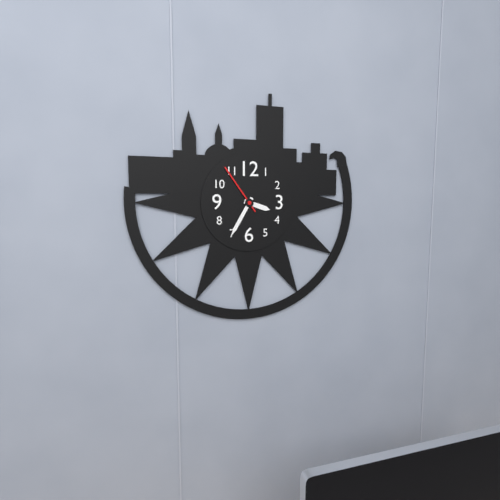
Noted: 3h35m54s
